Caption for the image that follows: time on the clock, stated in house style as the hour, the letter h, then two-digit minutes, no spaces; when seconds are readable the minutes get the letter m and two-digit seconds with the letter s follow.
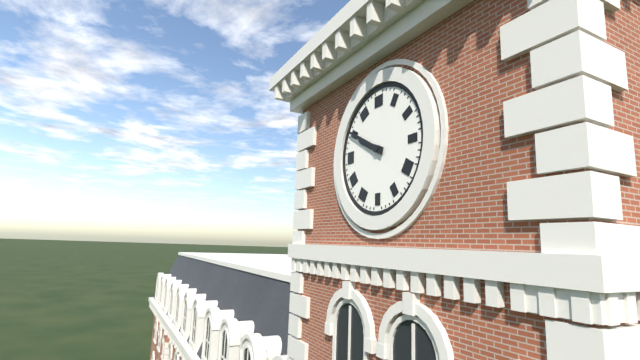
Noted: 9h50
